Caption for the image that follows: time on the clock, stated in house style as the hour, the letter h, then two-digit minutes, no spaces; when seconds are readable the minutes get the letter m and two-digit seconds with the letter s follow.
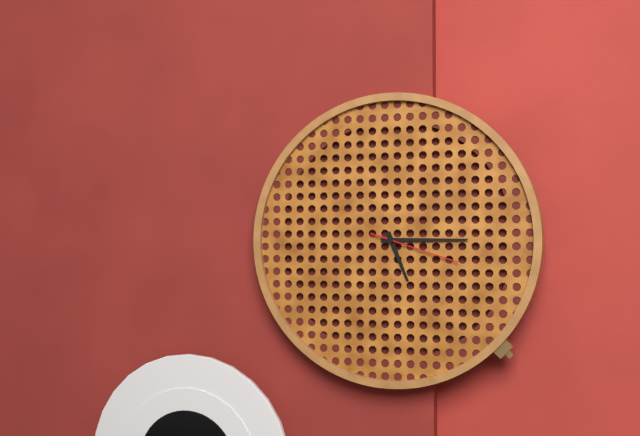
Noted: 5h15m18s
